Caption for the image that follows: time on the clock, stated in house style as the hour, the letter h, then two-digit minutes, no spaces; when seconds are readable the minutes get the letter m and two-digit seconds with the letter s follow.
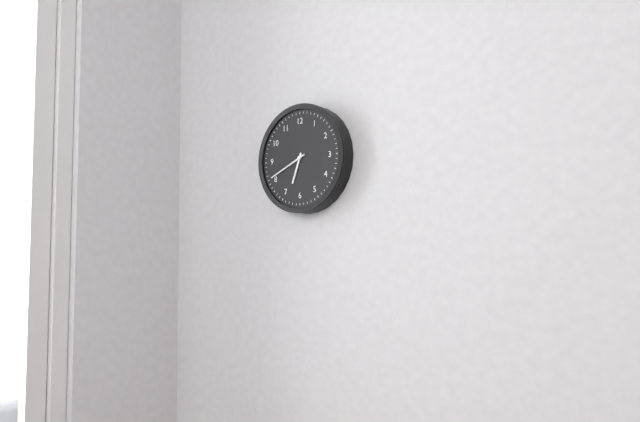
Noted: 6h41
